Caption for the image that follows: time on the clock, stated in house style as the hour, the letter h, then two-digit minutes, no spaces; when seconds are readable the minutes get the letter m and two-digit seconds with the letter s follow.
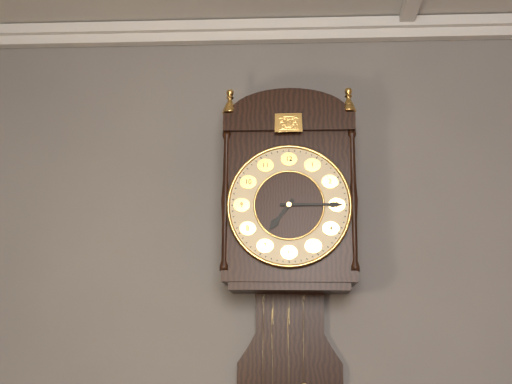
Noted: 7h15
